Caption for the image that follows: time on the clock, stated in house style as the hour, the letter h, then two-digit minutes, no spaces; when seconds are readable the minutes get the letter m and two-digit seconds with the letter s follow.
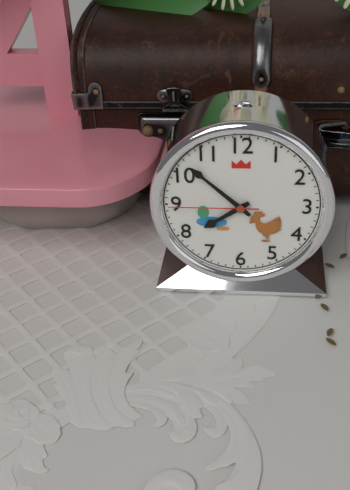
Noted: 7h52m45s
